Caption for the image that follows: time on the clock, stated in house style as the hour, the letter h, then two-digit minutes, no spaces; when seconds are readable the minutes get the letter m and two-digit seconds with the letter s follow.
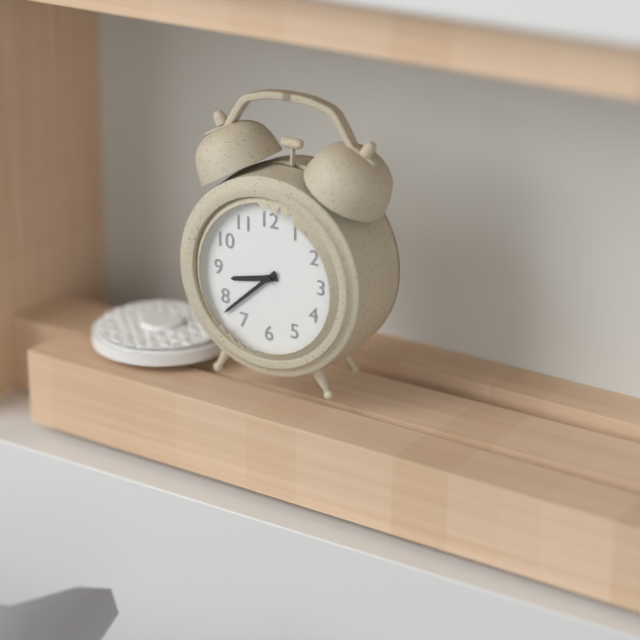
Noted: 8h38
